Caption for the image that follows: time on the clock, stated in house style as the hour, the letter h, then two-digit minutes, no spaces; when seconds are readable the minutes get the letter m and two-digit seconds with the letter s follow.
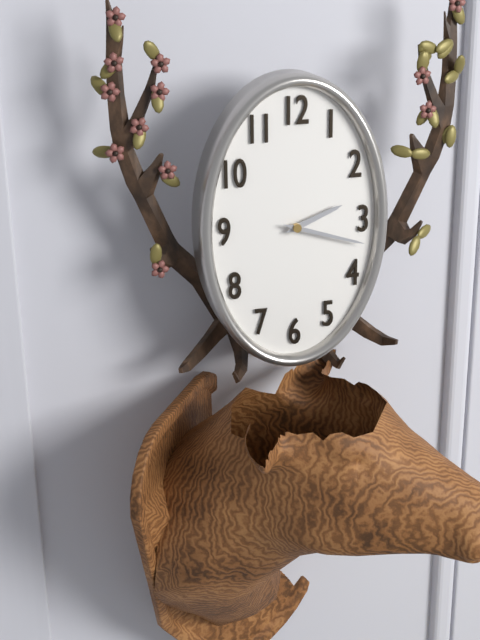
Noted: 2h18
